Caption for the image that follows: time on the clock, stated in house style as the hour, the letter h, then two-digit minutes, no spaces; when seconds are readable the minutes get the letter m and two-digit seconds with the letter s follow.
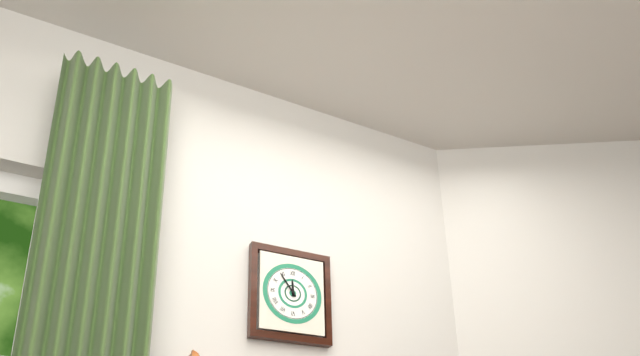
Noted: 11h54
